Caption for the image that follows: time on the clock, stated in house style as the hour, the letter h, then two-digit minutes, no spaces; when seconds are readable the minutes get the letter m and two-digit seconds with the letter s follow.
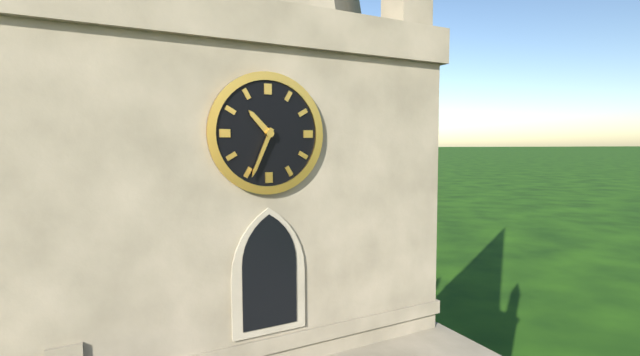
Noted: 10h34
